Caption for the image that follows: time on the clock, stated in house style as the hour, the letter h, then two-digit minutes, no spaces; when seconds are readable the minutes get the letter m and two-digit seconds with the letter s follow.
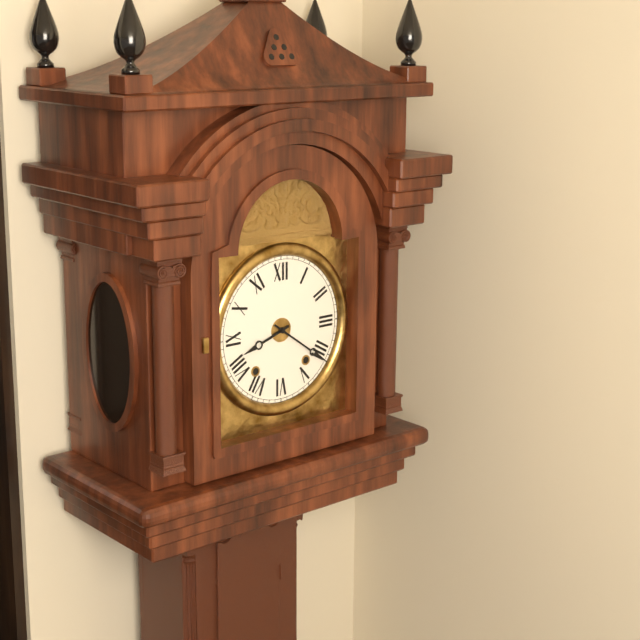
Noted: 8h21
